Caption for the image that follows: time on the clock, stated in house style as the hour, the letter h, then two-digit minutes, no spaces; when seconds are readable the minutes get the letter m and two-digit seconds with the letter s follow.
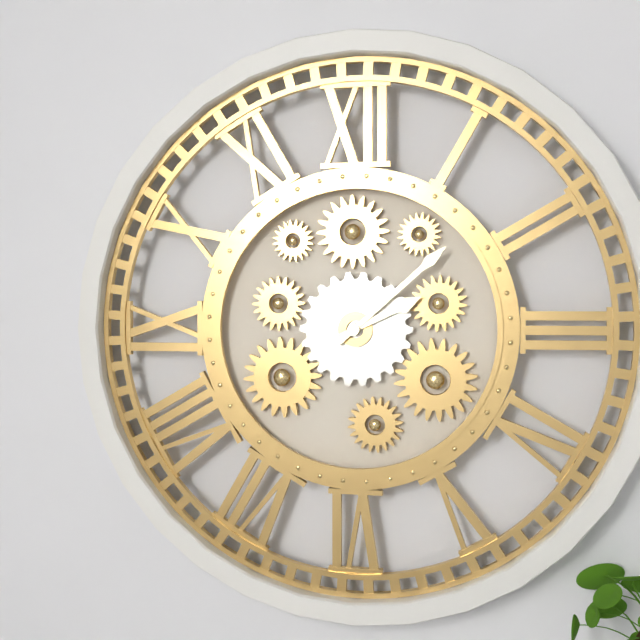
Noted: 2h08
